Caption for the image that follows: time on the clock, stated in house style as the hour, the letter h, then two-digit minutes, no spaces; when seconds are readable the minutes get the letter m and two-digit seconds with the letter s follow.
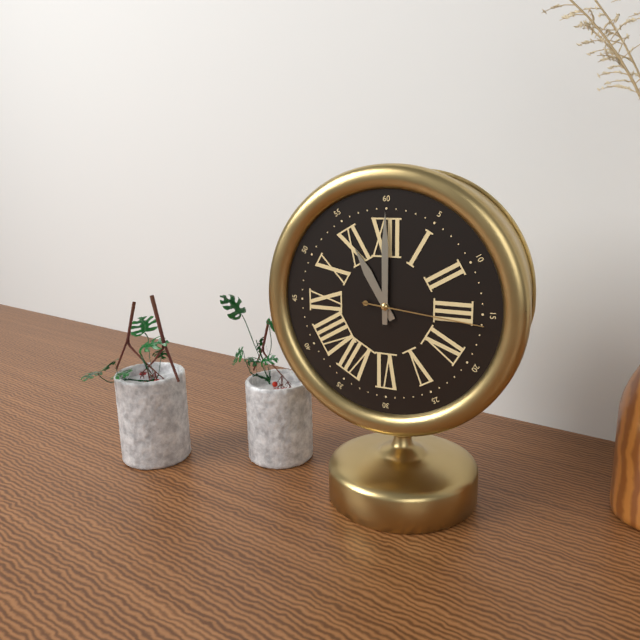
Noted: 11h00m16s
